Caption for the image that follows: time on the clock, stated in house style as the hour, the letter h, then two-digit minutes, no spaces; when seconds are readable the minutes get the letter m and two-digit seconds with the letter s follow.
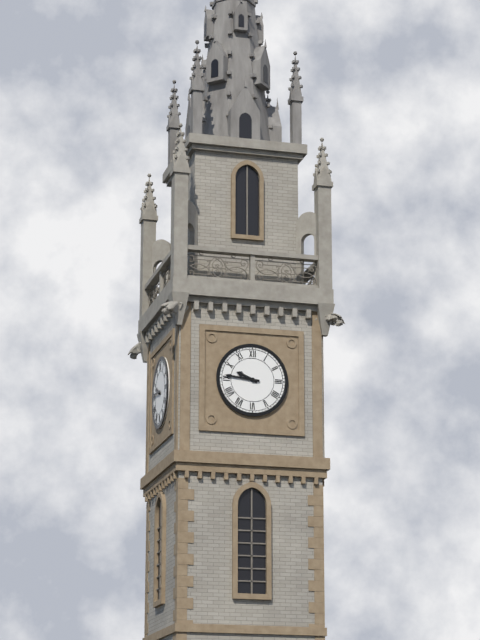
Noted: 9h46
